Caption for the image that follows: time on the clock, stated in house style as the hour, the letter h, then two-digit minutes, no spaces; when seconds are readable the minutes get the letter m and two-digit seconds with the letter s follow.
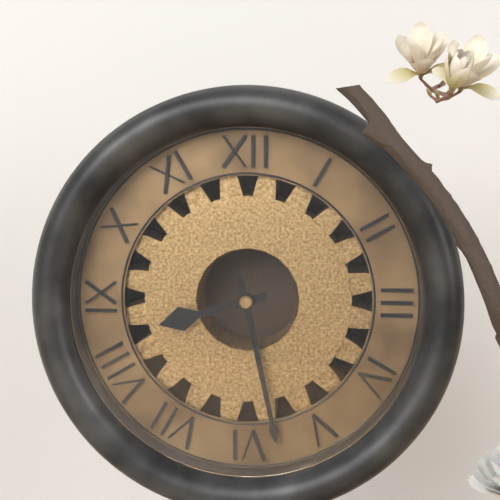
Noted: 8h28
